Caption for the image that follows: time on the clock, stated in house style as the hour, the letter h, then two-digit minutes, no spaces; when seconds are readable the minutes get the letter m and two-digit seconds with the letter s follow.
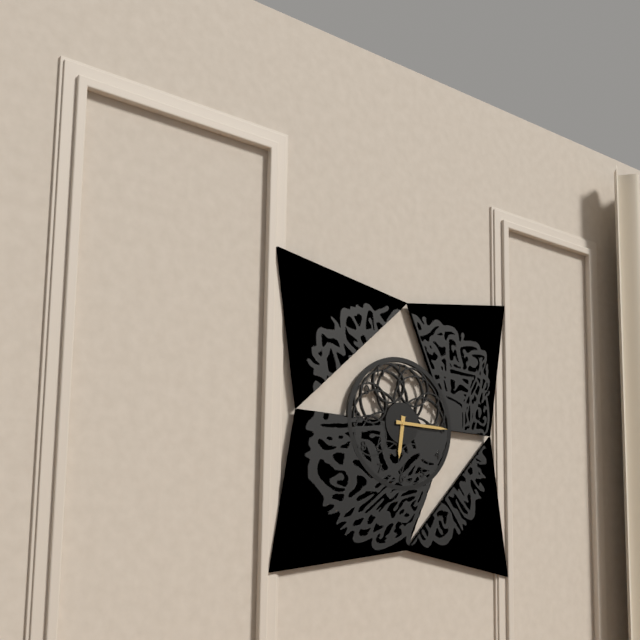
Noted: 6h15
